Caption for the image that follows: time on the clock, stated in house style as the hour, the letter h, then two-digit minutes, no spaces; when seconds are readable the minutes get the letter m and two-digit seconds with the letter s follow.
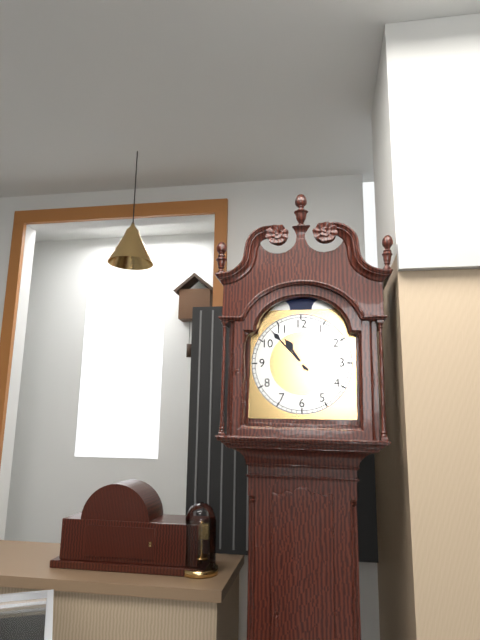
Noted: 10h53
